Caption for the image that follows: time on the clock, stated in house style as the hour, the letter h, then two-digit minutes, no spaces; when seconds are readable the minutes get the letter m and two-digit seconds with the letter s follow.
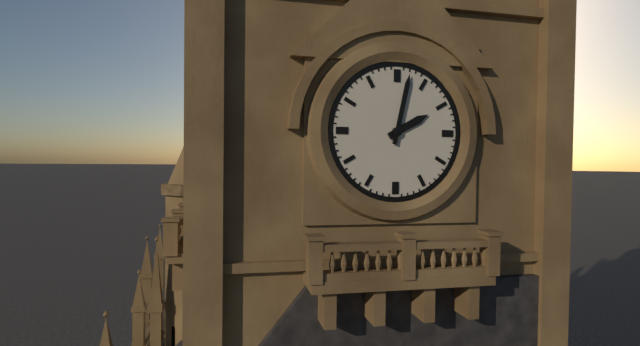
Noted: 2h02
